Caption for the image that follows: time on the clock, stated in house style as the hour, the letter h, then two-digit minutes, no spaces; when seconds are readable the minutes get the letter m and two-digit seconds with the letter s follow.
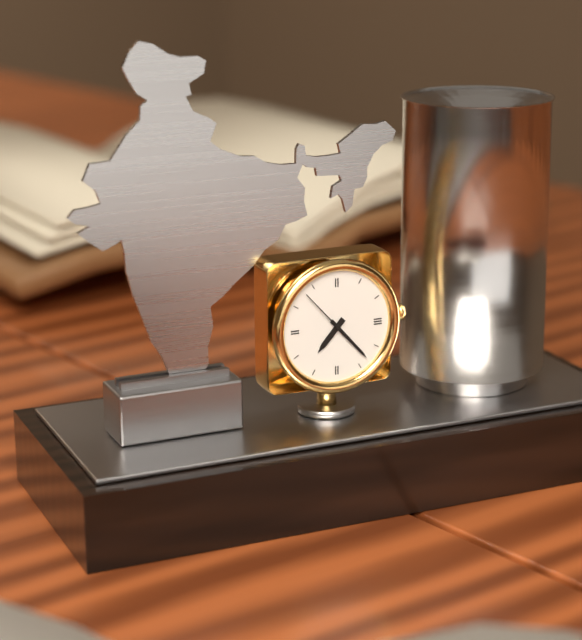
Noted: 7h23m53s
